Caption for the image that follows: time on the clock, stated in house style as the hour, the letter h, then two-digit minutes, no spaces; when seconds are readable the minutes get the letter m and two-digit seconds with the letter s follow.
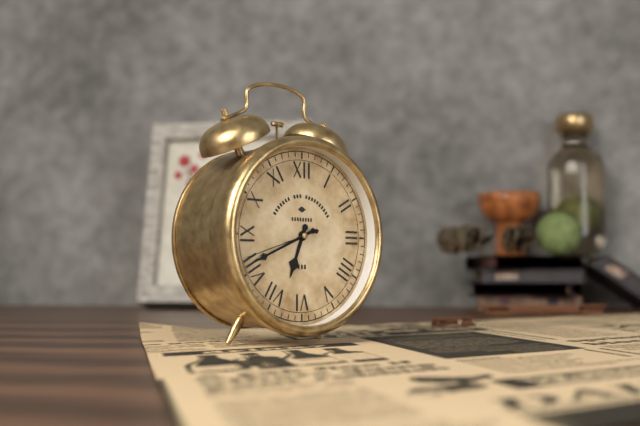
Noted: 6h41m42s
